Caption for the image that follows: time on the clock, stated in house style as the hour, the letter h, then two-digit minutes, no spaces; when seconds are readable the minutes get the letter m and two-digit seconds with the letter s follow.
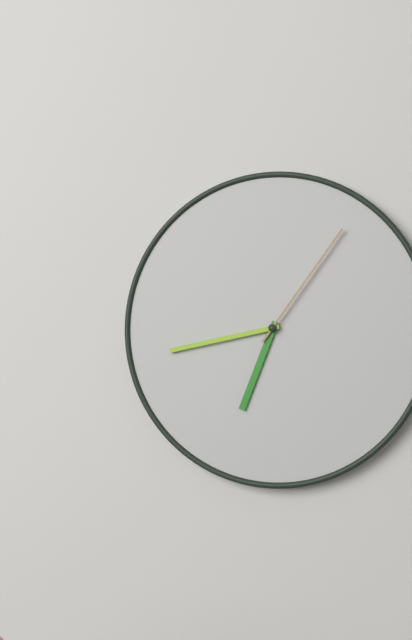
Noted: 6h43m06s
